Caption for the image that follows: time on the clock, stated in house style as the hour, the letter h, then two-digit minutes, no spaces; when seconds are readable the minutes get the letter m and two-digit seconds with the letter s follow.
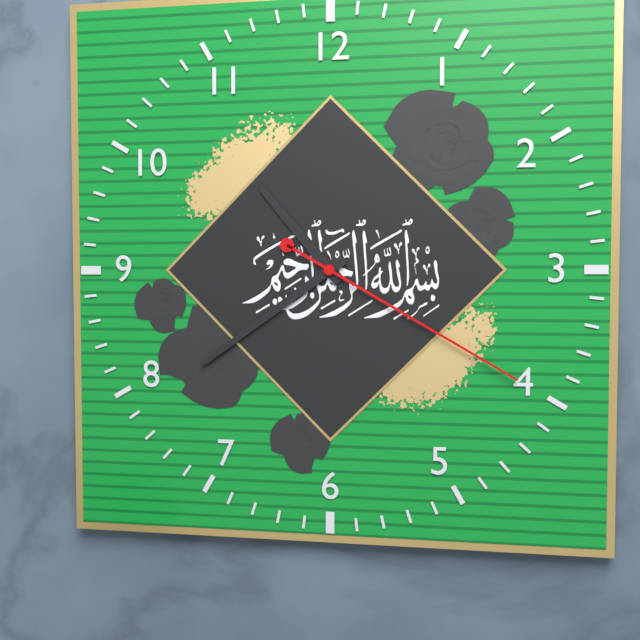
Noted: 10h39m20s
